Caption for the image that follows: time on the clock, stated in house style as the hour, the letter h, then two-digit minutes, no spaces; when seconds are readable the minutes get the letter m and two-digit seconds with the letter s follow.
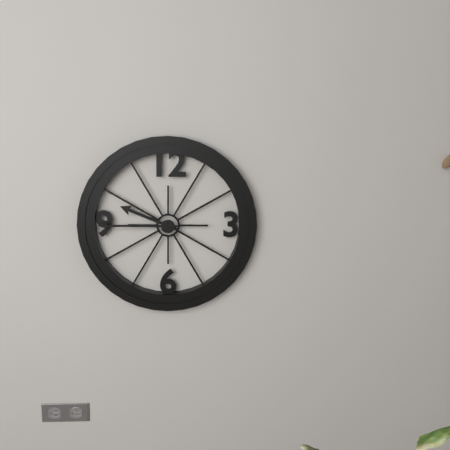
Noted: 9h45
